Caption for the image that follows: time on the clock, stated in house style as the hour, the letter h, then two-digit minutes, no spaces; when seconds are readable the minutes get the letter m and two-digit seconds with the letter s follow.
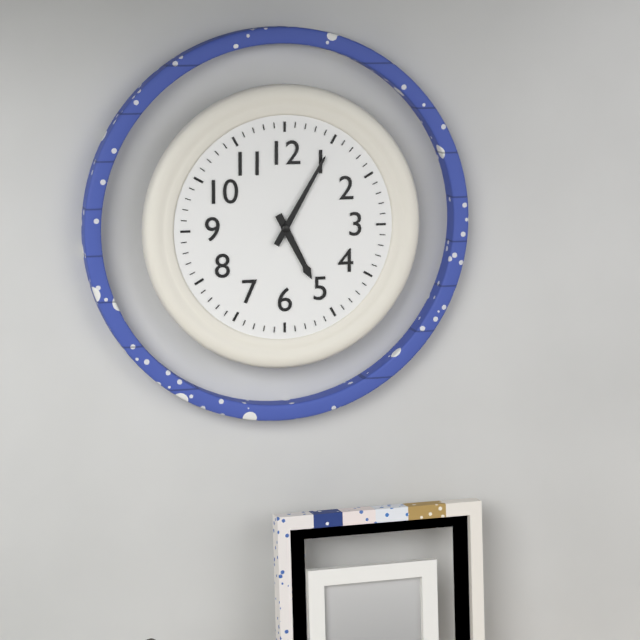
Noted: 5h05
